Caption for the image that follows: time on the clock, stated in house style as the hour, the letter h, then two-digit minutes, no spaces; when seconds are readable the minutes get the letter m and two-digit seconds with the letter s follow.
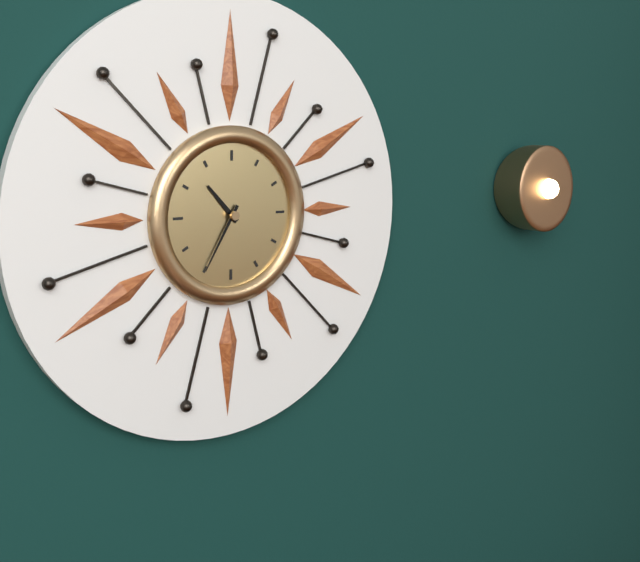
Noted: 10h35
